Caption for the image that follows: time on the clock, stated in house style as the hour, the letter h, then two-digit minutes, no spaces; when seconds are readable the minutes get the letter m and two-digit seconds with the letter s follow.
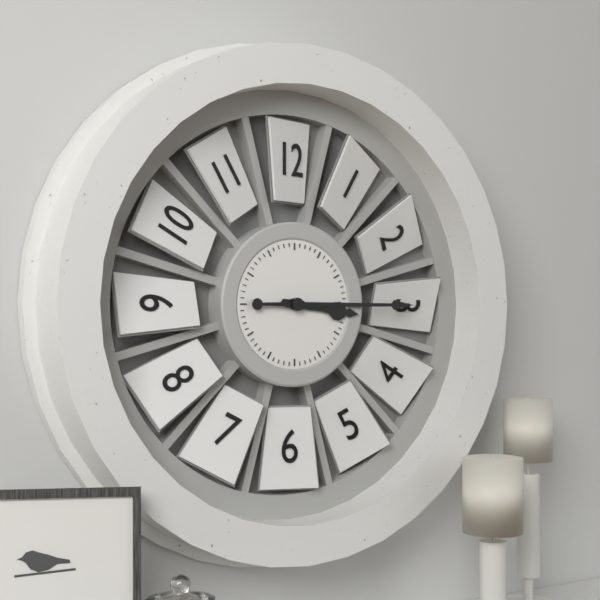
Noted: 3h15
